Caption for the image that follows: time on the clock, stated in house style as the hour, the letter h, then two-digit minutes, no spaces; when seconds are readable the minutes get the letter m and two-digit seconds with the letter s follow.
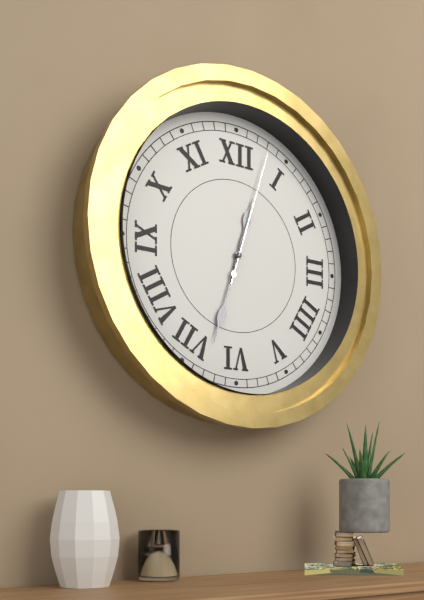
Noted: 12h33m03s
